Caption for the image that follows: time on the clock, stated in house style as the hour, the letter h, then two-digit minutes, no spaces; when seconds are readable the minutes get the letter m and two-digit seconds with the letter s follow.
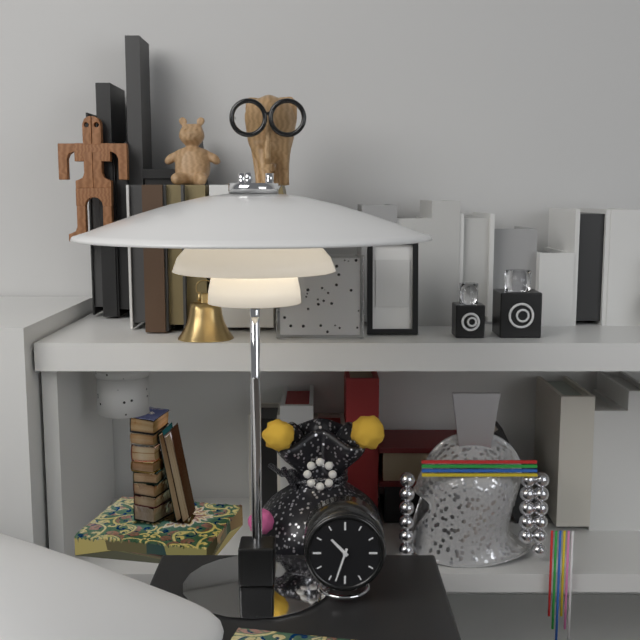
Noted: 10h33
